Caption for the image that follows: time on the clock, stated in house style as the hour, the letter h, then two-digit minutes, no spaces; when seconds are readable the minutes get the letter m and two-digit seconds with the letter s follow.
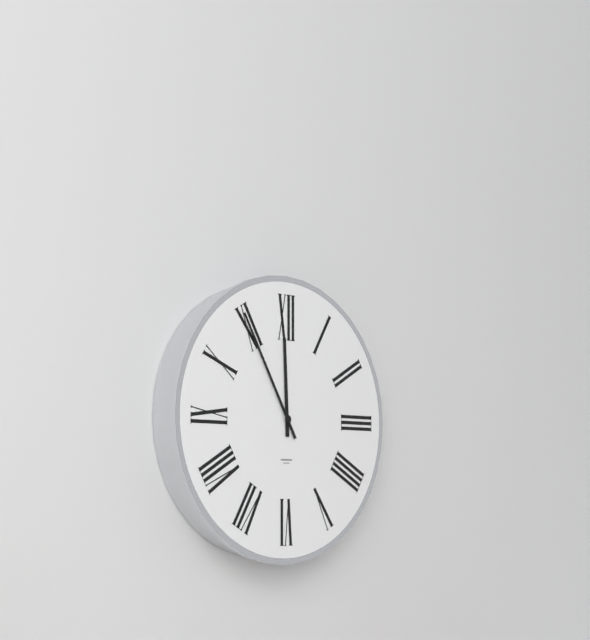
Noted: 11h55
